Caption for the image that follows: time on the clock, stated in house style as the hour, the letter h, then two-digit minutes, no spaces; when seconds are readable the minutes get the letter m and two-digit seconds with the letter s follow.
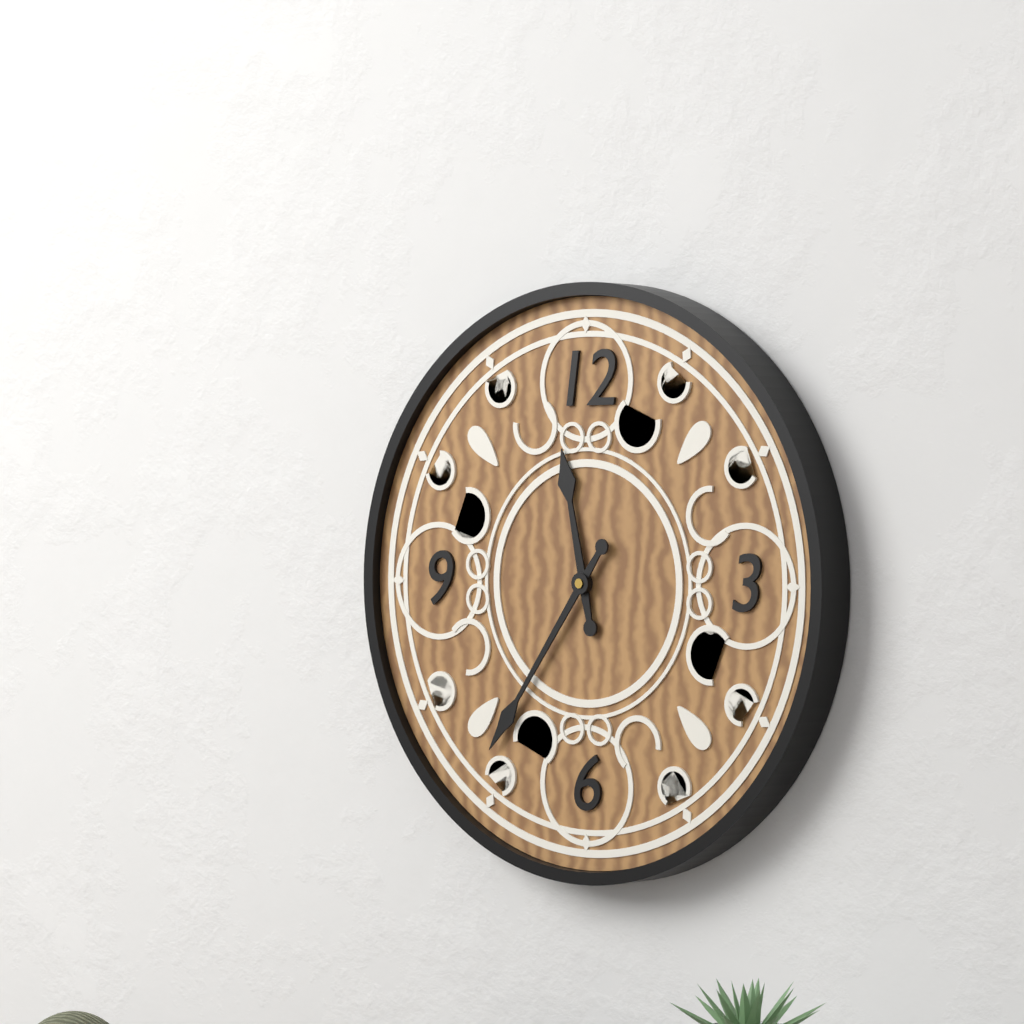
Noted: 11h36
